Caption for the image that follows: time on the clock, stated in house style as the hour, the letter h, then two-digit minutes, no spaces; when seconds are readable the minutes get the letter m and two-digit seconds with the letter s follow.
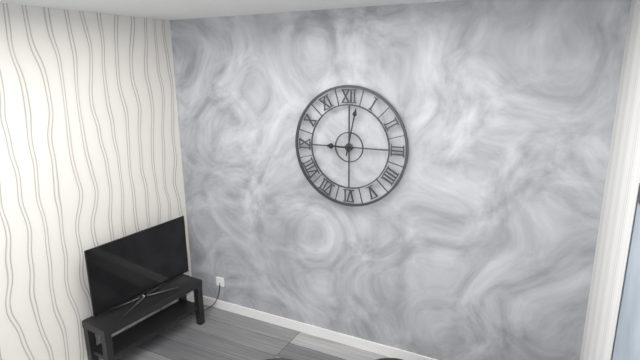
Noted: 9h02
